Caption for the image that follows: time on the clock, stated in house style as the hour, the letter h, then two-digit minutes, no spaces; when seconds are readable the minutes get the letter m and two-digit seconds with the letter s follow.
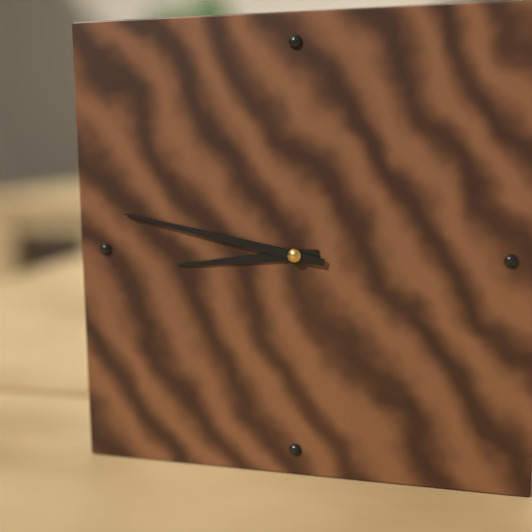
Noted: 8h47
